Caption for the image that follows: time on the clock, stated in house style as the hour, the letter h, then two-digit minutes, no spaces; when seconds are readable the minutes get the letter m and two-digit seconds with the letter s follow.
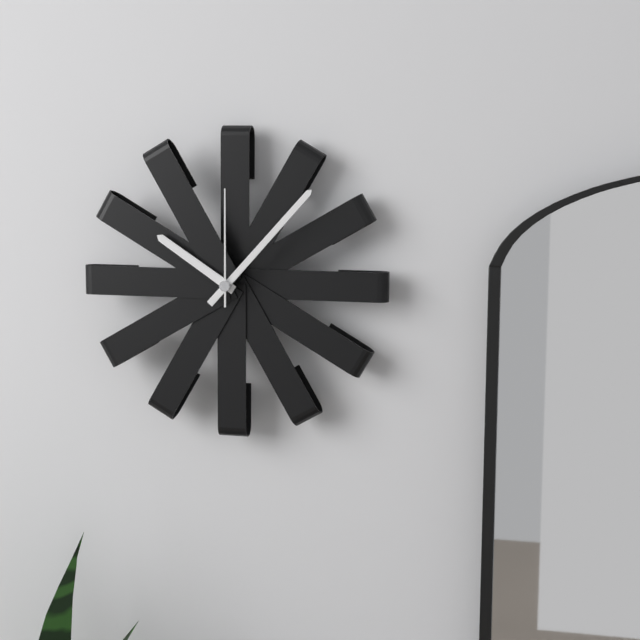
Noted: 10h07m00s
